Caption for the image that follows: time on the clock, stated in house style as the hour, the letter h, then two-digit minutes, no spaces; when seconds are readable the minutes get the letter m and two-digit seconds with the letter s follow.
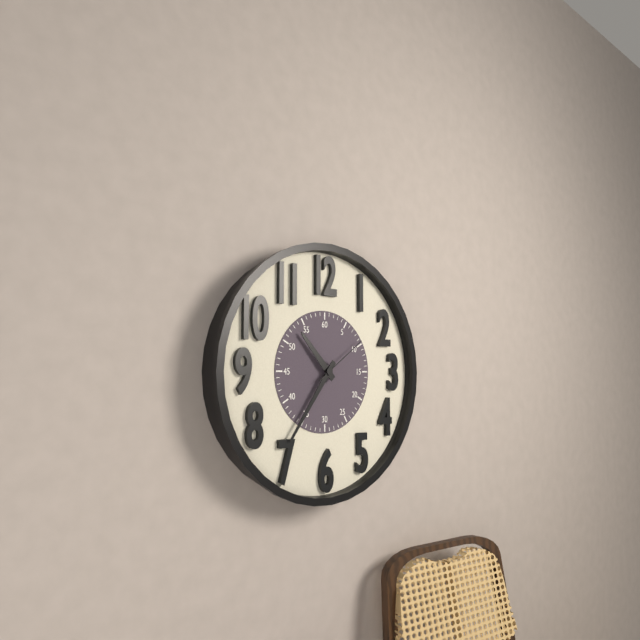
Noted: 10h36m09s
